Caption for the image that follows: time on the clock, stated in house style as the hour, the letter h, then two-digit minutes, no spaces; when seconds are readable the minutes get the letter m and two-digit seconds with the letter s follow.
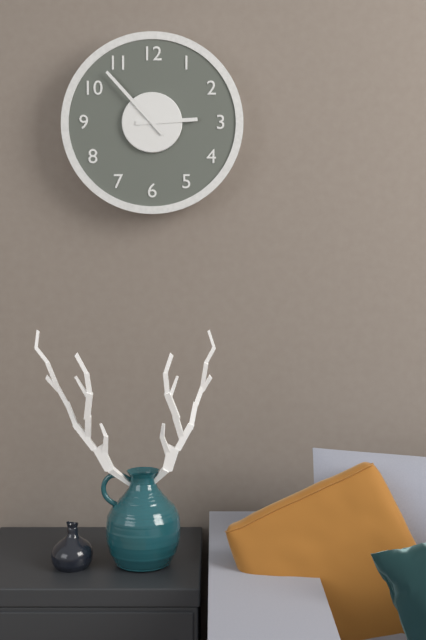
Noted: 2h53
